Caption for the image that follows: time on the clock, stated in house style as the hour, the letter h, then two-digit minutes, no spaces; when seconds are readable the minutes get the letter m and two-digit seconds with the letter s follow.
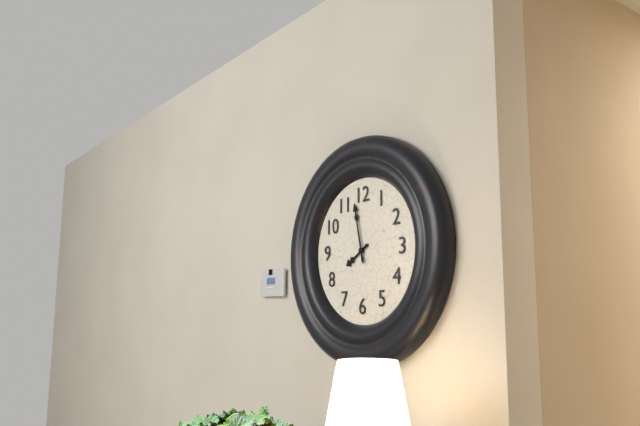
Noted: 7h58
